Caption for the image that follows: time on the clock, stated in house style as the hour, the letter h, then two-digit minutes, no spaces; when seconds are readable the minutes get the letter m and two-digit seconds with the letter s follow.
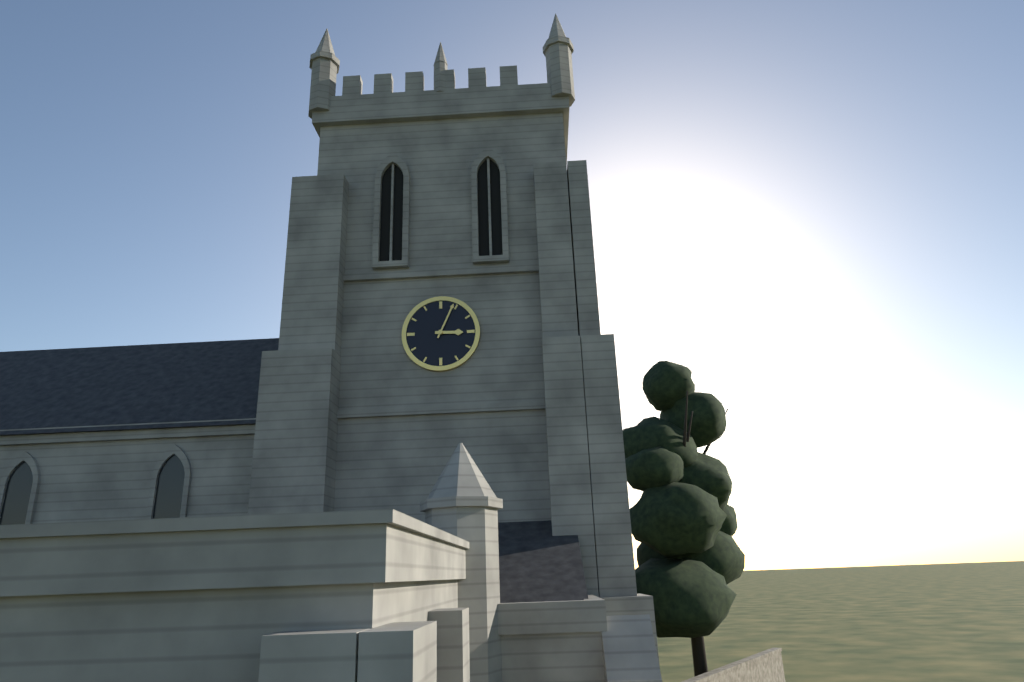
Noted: 3h04
